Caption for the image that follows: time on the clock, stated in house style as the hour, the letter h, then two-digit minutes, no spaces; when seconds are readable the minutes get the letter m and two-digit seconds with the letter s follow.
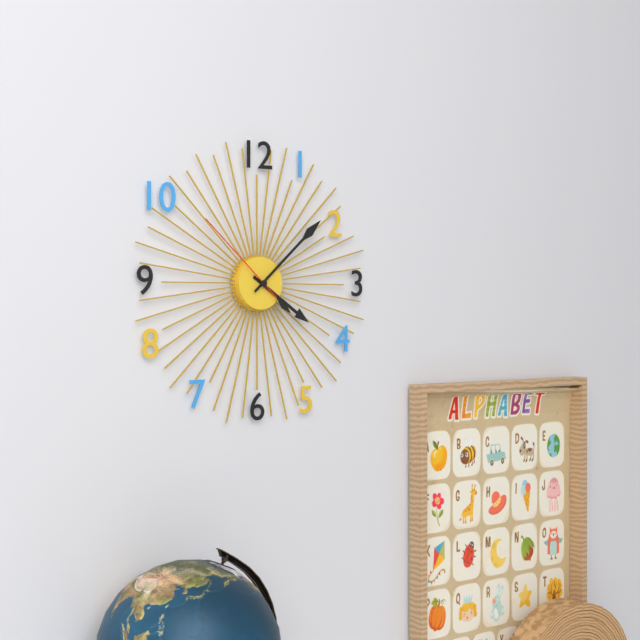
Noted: 4h08m52s
